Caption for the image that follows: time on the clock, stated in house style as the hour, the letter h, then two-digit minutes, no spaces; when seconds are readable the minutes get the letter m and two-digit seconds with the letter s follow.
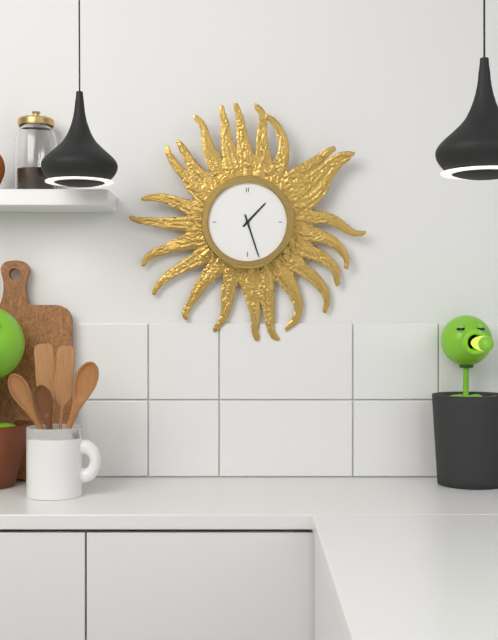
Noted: 1h27
